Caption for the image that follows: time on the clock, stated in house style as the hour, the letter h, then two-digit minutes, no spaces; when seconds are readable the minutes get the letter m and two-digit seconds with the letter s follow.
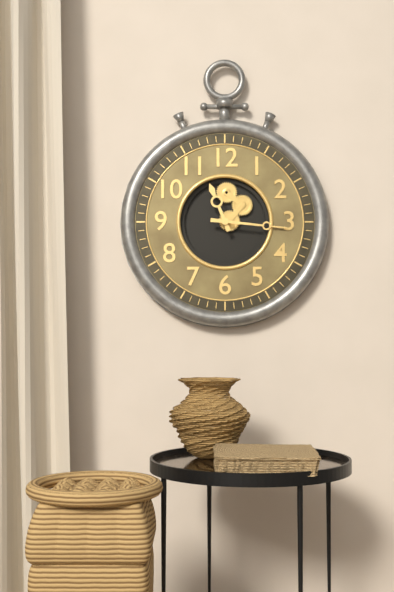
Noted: 11h16
